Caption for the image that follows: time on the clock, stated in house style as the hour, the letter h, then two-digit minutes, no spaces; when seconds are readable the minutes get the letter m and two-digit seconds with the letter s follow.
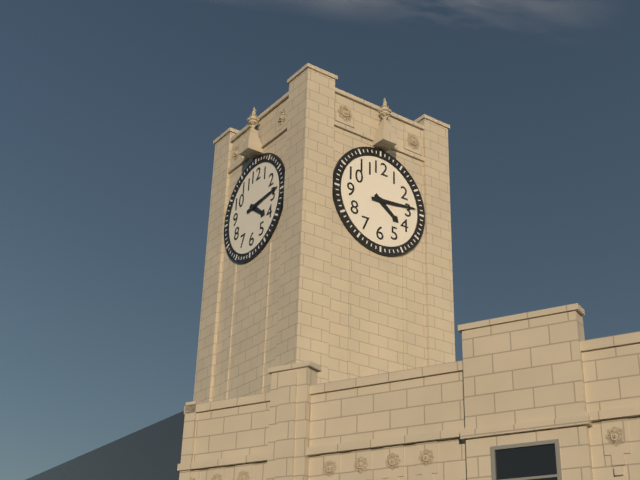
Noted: 4h14
